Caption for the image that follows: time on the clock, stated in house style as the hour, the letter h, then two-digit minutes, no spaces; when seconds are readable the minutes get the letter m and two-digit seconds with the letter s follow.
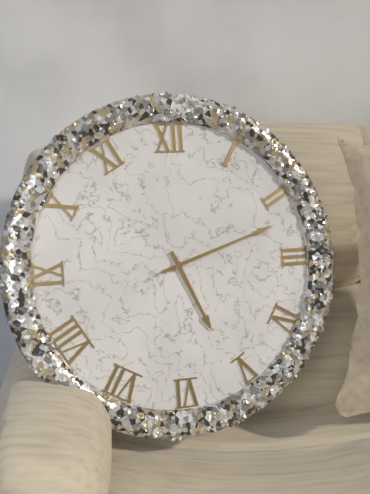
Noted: 5h12
